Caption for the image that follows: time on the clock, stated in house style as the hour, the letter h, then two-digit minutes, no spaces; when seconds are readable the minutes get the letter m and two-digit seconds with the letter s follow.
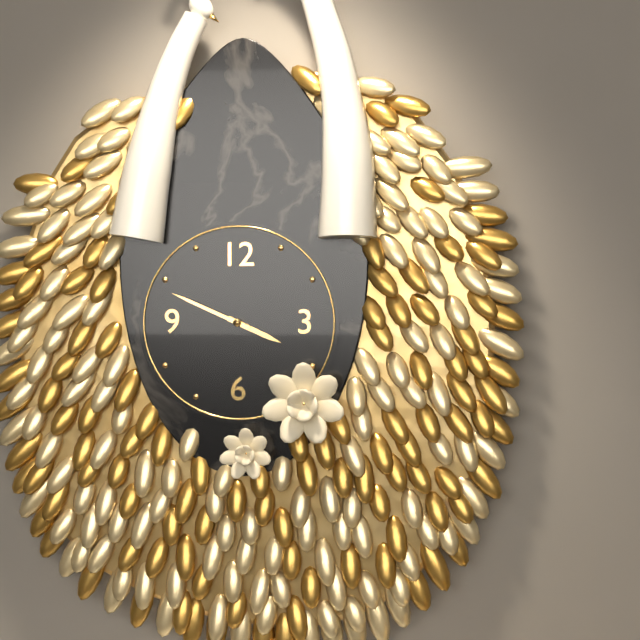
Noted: 3h49
